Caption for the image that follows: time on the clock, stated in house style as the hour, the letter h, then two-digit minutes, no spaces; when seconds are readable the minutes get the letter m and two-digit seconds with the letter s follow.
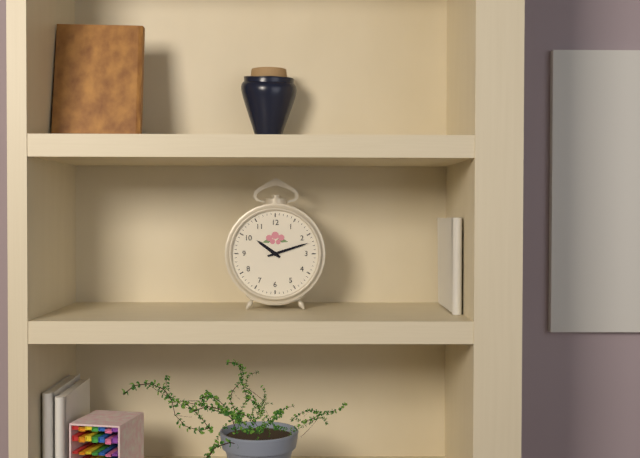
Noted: 10h12
